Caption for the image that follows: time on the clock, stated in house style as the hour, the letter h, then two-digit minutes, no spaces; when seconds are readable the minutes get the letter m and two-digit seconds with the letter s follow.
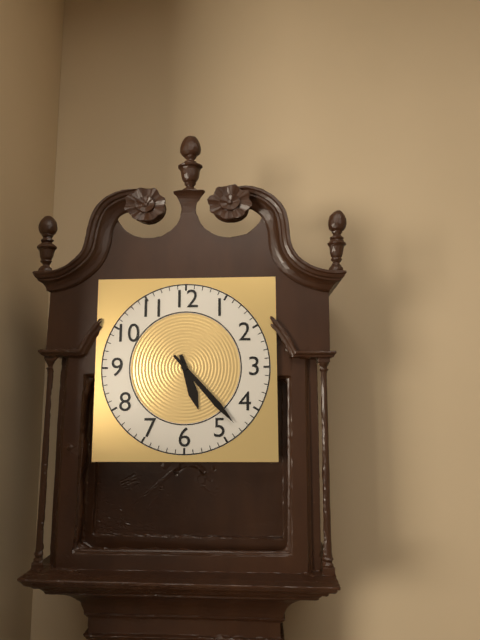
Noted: 5h23
